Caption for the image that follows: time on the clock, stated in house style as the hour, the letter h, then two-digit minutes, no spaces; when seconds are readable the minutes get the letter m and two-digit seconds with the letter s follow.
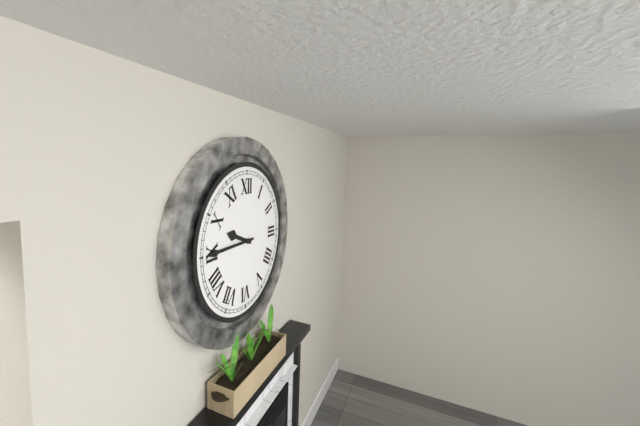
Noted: 9h45
